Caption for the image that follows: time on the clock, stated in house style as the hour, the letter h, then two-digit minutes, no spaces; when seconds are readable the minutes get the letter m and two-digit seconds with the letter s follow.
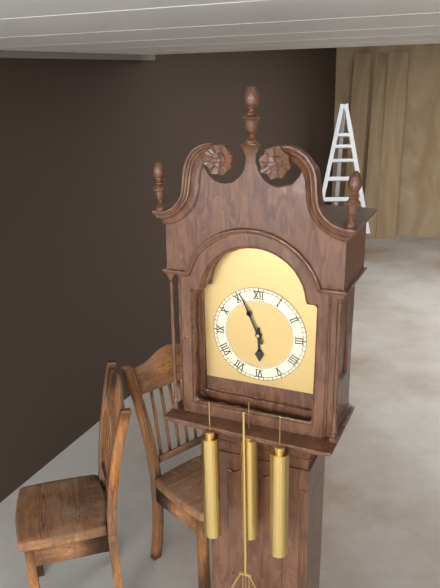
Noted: 5h56
